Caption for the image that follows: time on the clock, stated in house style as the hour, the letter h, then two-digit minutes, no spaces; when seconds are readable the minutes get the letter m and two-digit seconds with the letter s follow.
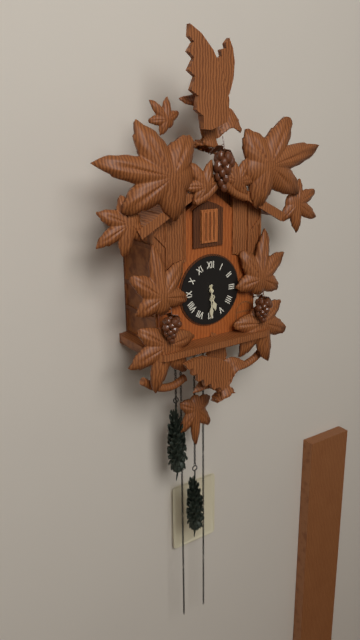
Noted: 5h30
